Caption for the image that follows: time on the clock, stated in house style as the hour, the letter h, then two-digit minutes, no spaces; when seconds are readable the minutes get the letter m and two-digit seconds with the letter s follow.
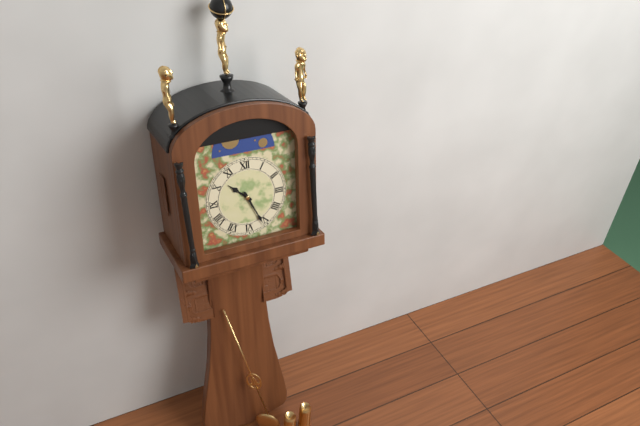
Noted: 10h26
